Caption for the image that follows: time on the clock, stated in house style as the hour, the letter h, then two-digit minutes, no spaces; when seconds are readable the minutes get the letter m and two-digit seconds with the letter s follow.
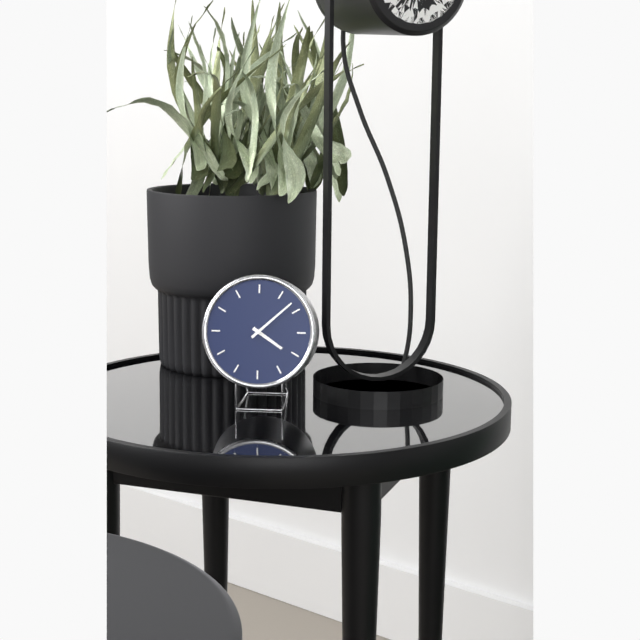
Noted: 4h08
